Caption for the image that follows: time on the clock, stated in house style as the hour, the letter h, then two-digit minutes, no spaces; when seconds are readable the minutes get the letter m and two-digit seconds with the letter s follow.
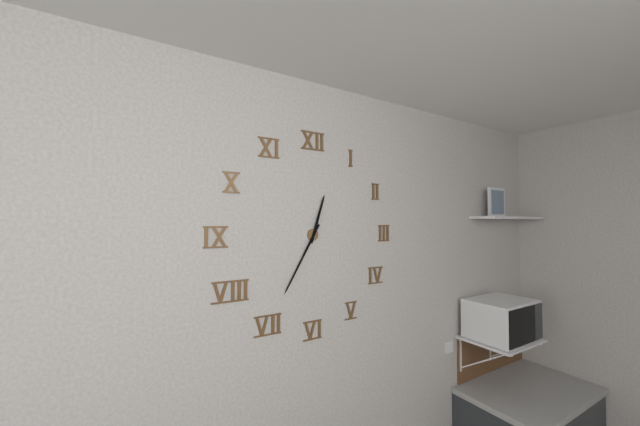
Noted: 12h35
